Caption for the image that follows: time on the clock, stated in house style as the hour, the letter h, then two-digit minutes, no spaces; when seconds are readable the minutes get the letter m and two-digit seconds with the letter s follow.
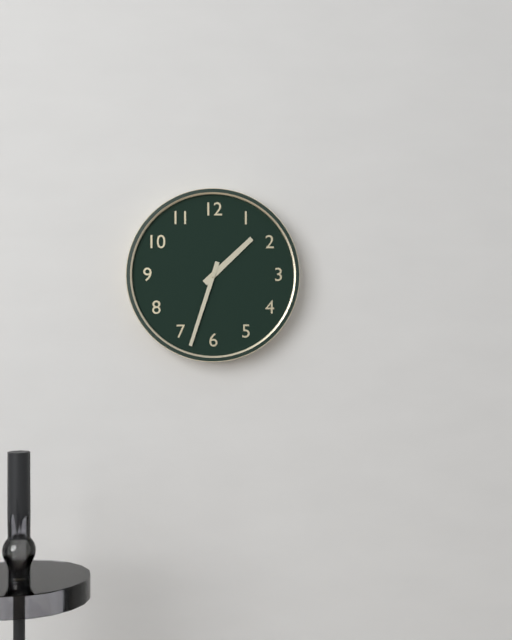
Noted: 1h33
